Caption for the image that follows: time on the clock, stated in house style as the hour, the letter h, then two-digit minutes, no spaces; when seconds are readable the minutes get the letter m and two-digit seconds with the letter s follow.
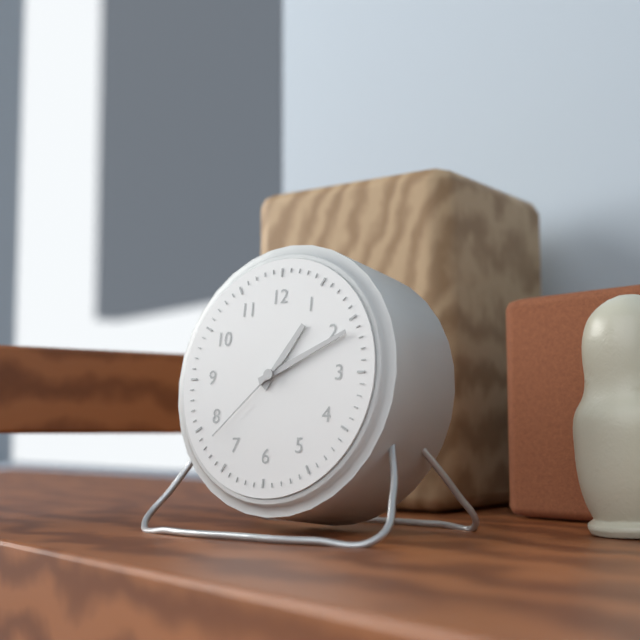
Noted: 1h11m38s
